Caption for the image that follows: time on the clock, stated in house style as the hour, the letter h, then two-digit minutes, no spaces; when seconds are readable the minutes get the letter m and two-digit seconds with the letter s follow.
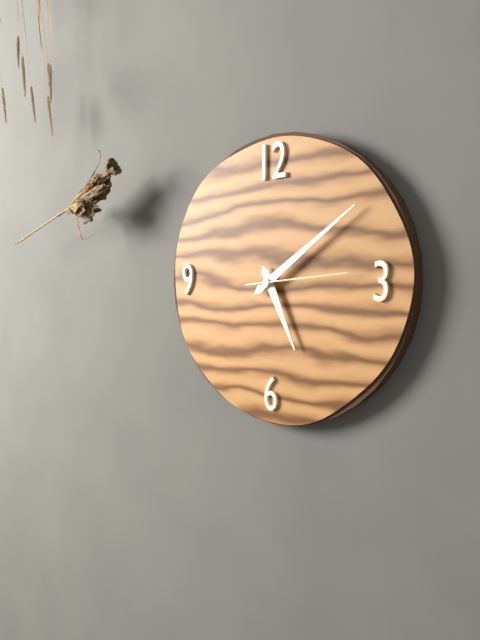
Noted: 5h09m14s
